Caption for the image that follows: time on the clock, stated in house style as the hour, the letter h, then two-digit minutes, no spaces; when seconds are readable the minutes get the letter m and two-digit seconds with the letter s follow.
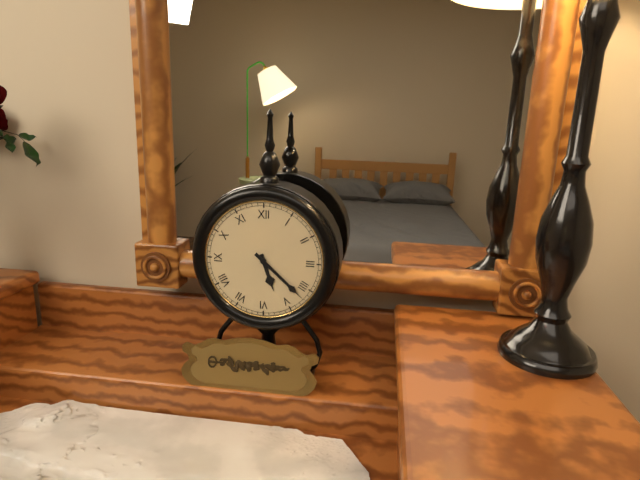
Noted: 5h22
